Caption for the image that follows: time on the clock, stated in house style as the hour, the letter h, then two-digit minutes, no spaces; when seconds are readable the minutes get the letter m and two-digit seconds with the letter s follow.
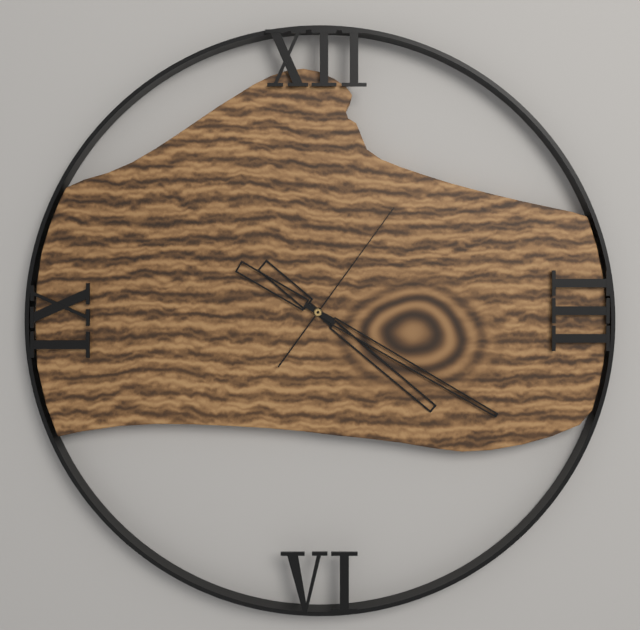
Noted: 4h20m06s
